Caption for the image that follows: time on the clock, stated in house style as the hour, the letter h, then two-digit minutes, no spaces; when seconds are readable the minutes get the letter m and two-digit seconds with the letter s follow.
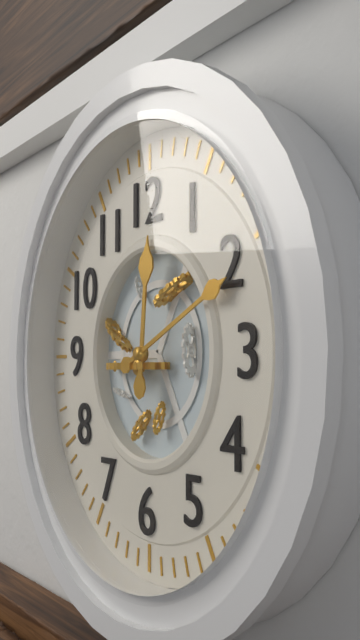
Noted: 12h11
